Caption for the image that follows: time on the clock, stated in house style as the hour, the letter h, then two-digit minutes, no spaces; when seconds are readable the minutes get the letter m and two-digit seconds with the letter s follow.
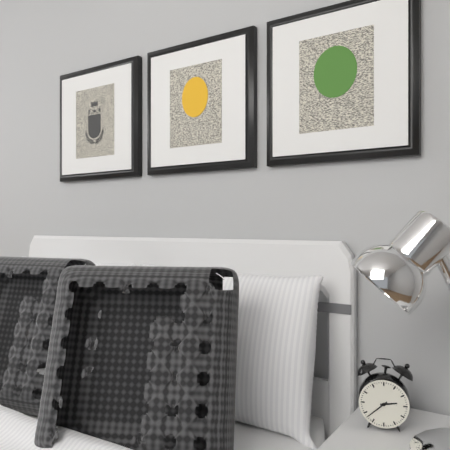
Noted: 2h38
